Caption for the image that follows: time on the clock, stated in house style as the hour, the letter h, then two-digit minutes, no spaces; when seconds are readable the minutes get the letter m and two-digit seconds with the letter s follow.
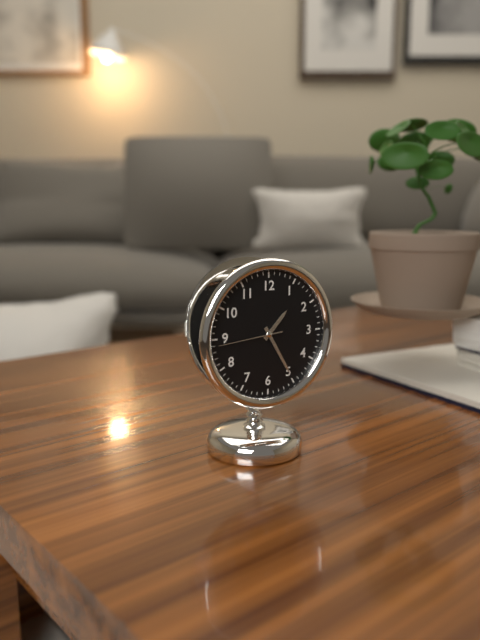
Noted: 1h25m44s
